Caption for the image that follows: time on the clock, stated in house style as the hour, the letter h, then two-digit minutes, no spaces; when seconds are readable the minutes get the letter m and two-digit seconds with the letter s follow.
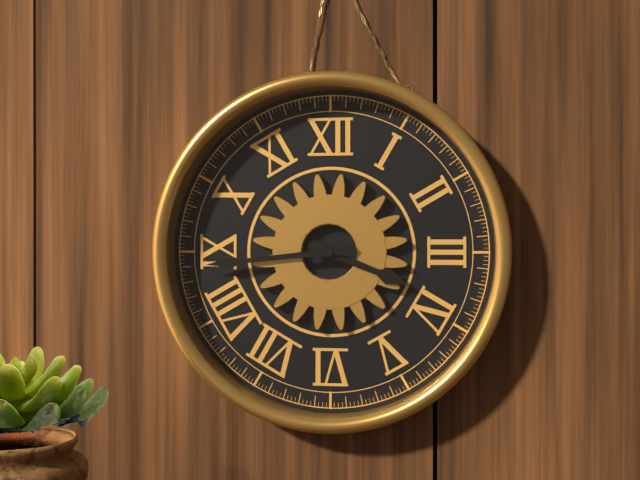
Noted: 3h44
